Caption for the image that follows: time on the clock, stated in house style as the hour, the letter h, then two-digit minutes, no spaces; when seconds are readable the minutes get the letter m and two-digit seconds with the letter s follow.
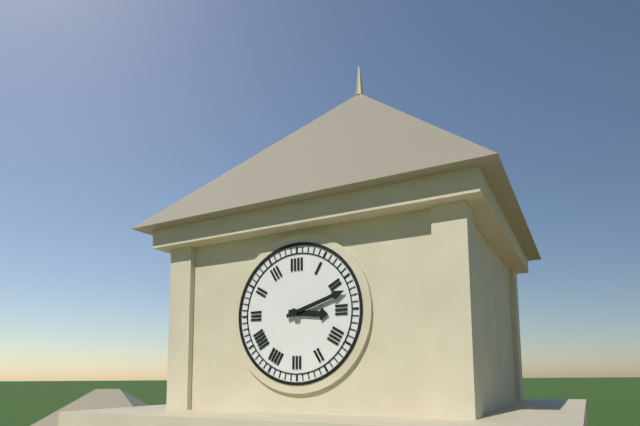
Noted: 3h12
